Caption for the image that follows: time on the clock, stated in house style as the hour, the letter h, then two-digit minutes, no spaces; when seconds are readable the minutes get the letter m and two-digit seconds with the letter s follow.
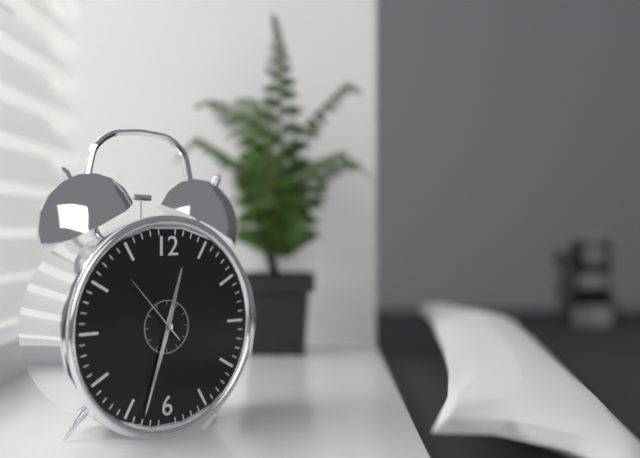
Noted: 12h33m53s
